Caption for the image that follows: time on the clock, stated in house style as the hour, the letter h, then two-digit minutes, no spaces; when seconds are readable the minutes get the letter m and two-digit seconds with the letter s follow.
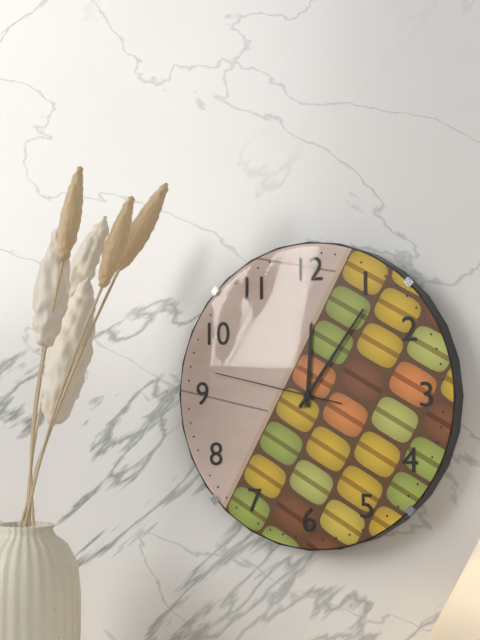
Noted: 12h06m47s
